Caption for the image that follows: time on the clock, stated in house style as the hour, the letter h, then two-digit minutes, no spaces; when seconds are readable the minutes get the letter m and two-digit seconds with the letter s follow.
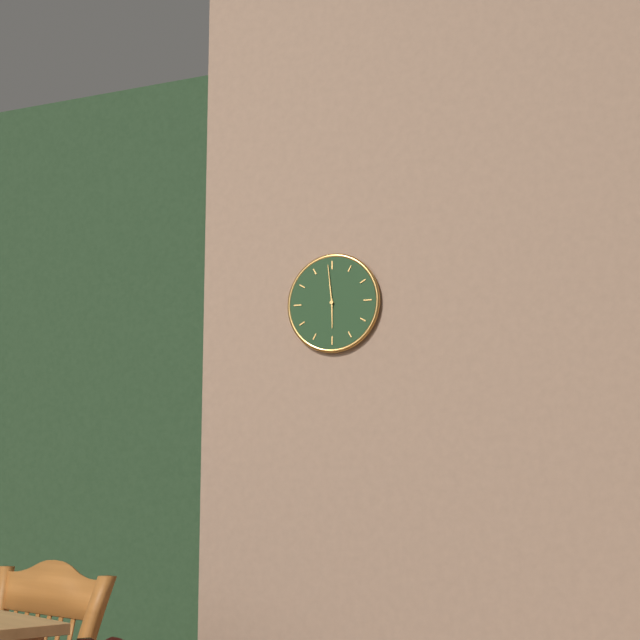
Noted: 5h59
